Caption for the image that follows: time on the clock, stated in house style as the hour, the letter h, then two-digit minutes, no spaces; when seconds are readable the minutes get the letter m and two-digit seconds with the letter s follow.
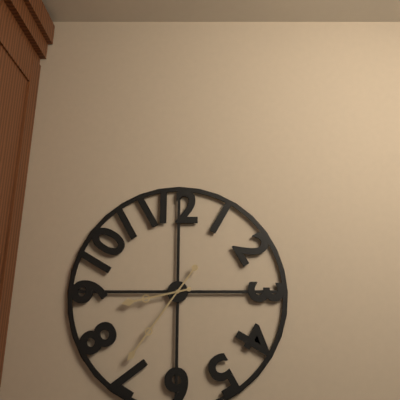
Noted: 8h36
